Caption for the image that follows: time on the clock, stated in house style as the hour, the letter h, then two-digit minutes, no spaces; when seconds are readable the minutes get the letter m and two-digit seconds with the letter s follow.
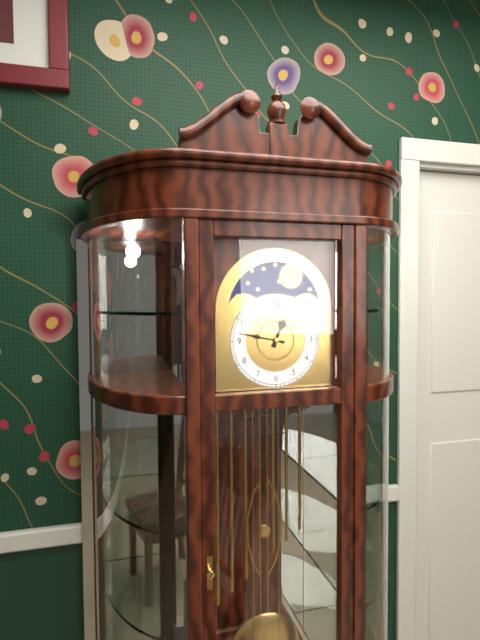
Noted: 12h47
